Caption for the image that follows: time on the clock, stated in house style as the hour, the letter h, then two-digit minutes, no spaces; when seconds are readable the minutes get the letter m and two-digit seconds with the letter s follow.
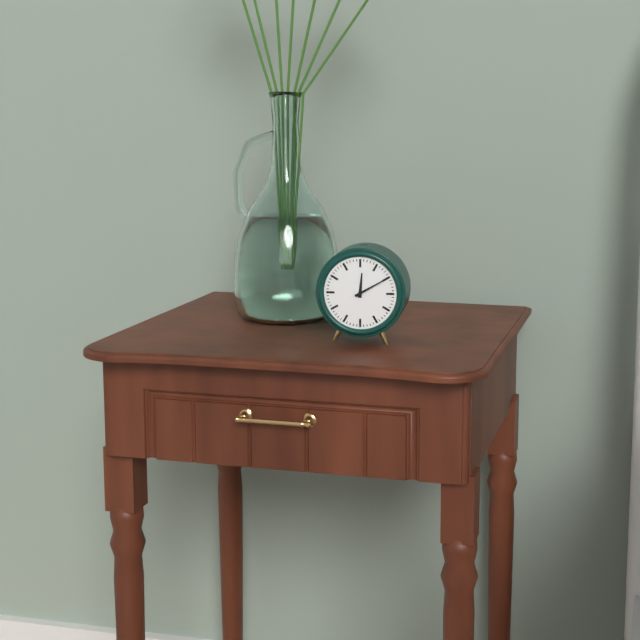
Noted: 12h10
